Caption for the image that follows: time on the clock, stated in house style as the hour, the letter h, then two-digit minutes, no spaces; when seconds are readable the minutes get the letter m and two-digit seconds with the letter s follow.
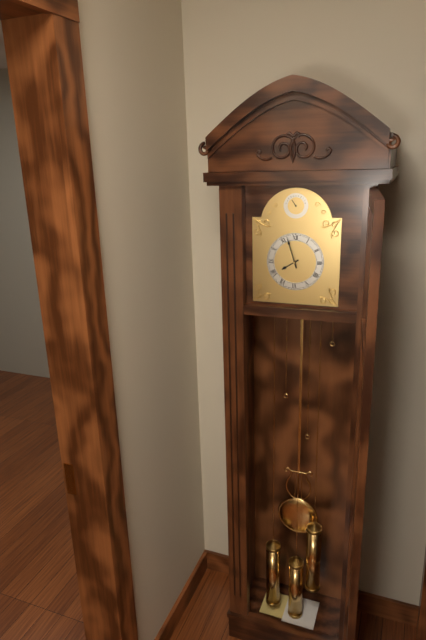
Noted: 7h57
